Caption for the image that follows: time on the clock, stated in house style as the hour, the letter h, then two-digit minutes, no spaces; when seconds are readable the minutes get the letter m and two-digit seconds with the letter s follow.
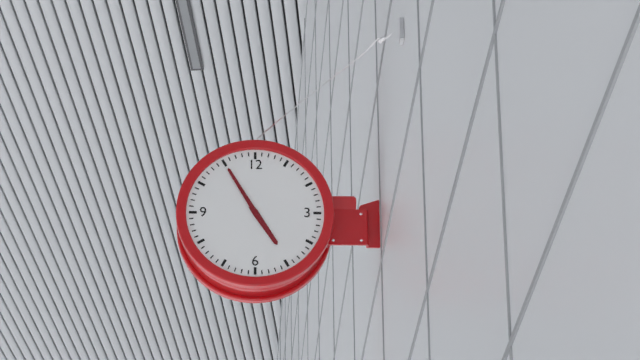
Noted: 4h55
